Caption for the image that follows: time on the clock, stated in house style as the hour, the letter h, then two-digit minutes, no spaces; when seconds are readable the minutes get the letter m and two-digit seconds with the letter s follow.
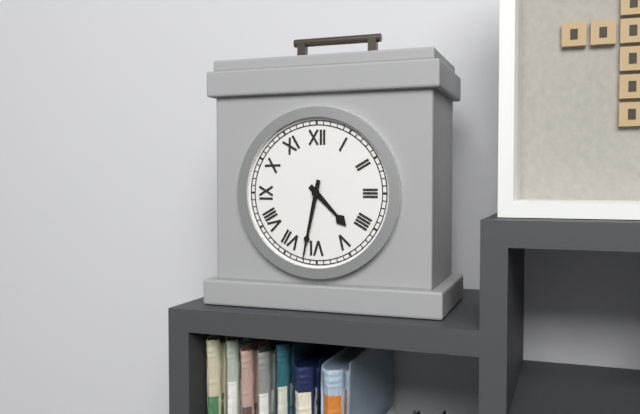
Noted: 4h32
